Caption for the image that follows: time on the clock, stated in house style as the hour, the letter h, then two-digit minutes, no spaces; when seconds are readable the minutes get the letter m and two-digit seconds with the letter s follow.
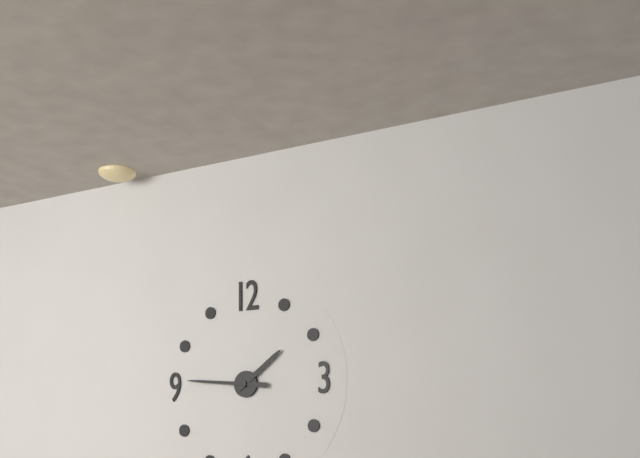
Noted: 1h46
